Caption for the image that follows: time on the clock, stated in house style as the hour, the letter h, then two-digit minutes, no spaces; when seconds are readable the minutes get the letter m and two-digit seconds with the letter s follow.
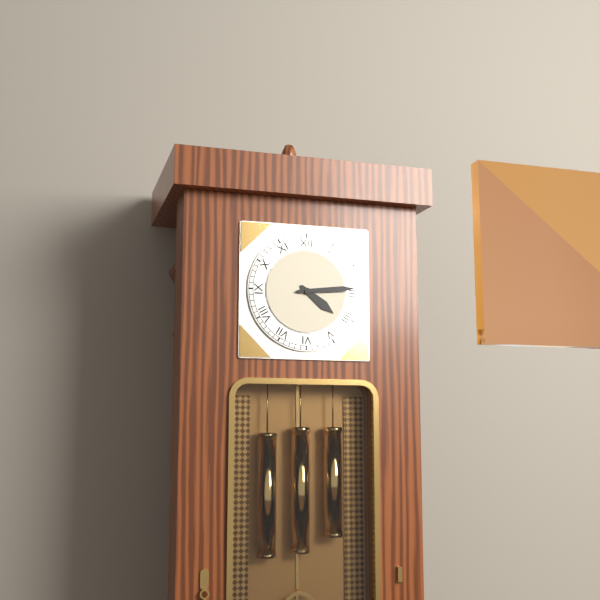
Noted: 4h14
